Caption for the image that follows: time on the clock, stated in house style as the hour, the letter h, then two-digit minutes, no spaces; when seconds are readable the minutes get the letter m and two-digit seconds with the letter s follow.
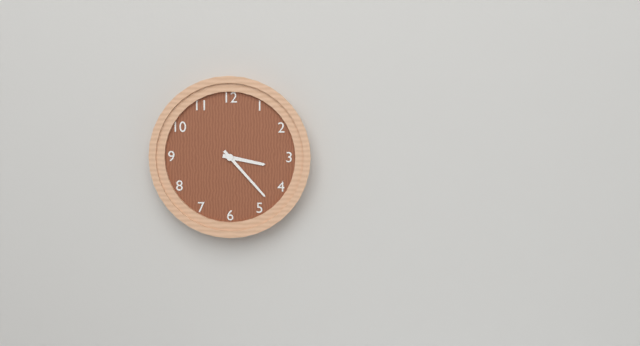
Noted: 3h23
